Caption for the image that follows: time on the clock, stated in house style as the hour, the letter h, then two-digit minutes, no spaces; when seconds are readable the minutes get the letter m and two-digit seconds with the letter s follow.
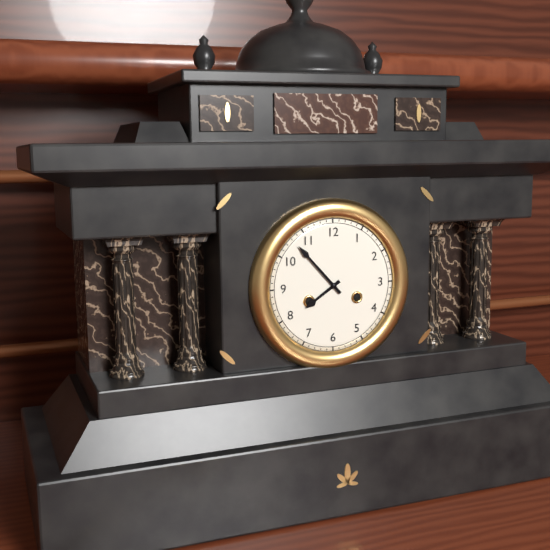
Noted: 7h53
